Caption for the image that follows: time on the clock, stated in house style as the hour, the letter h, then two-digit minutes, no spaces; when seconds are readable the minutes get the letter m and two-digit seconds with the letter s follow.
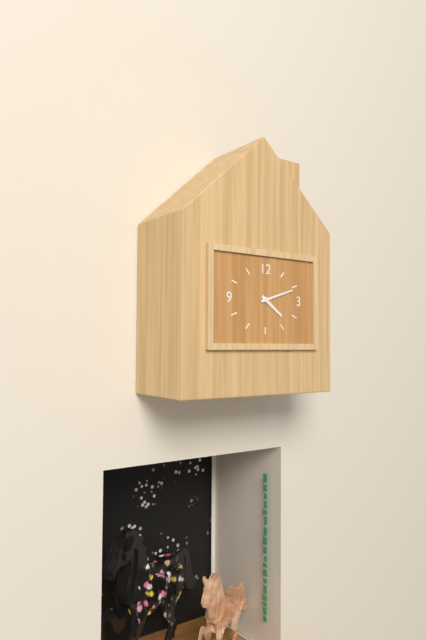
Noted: 4h12
